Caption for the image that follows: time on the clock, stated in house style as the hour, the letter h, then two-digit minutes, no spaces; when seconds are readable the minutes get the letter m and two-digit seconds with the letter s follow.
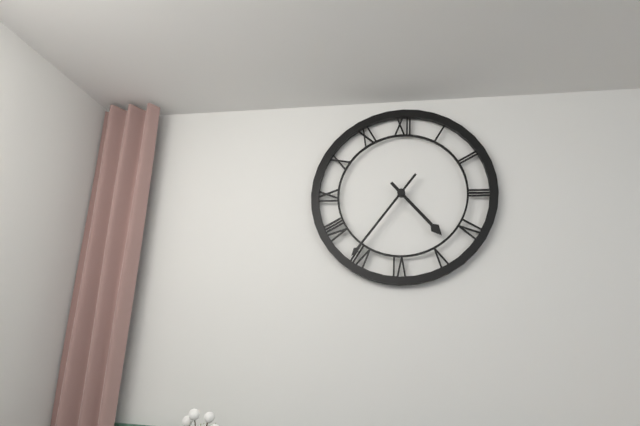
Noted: 4h36
